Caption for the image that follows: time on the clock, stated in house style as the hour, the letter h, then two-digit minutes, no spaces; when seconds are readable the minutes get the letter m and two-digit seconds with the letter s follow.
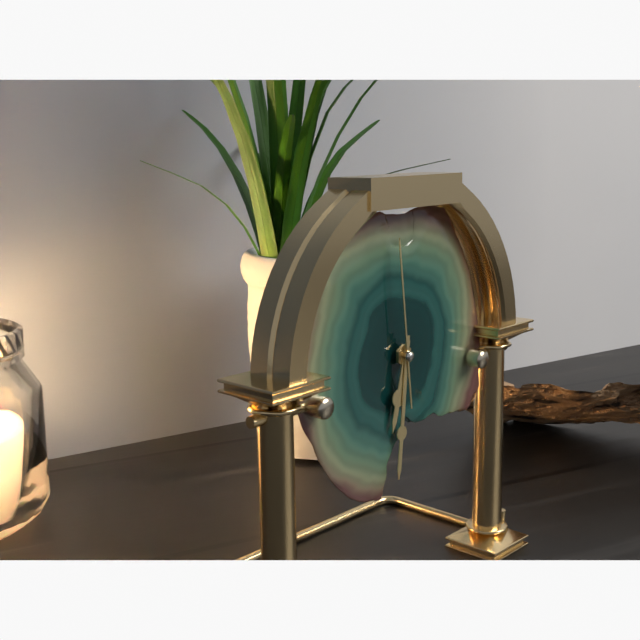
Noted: 6h31m59s
